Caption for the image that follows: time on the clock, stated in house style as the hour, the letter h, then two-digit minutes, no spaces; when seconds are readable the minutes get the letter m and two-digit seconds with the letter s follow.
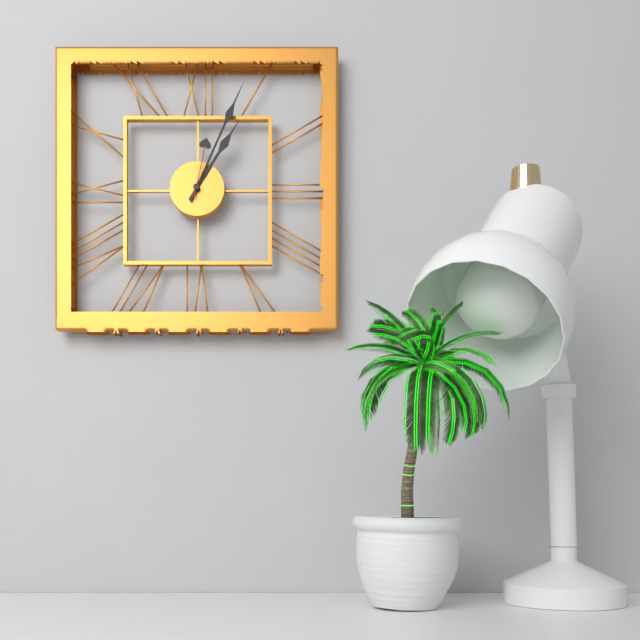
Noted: 1h04m02s
